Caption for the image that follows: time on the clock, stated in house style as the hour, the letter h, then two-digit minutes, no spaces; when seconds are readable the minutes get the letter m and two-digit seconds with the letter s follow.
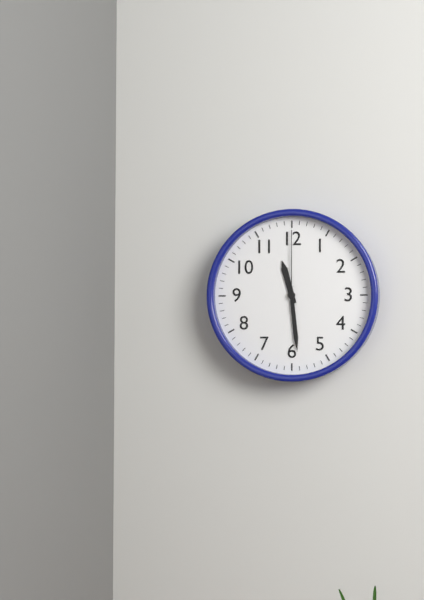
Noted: 11h29m00s
